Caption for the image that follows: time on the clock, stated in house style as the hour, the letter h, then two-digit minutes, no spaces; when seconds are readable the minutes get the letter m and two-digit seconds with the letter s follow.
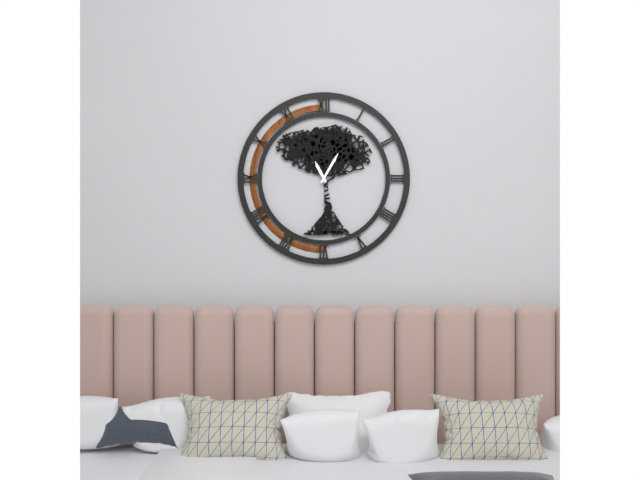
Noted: 11h05
